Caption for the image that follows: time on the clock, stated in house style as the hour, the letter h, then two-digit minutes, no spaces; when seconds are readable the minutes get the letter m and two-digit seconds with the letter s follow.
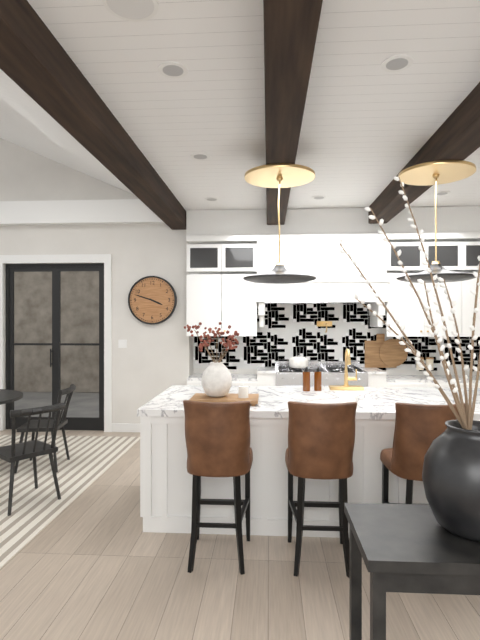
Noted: 3h48
